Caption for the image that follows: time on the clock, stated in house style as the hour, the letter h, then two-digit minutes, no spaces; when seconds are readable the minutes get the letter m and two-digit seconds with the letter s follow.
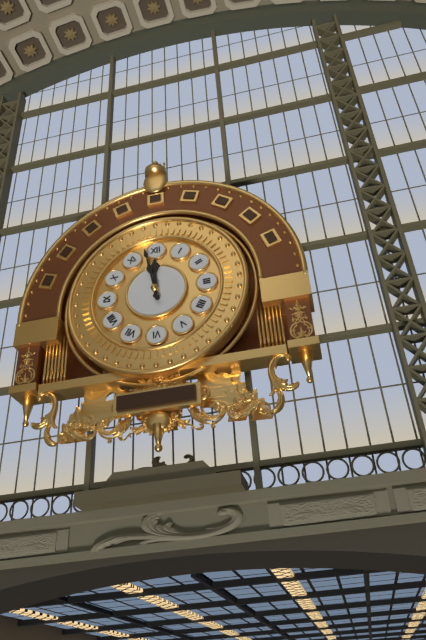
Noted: 11h58
